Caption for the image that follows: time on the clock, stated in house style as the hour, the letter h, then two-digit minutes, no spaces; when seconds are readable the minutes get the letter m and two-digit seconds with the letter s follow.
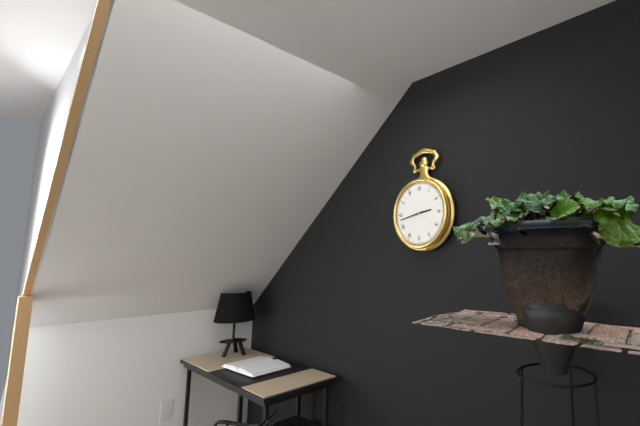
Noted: 2h43
